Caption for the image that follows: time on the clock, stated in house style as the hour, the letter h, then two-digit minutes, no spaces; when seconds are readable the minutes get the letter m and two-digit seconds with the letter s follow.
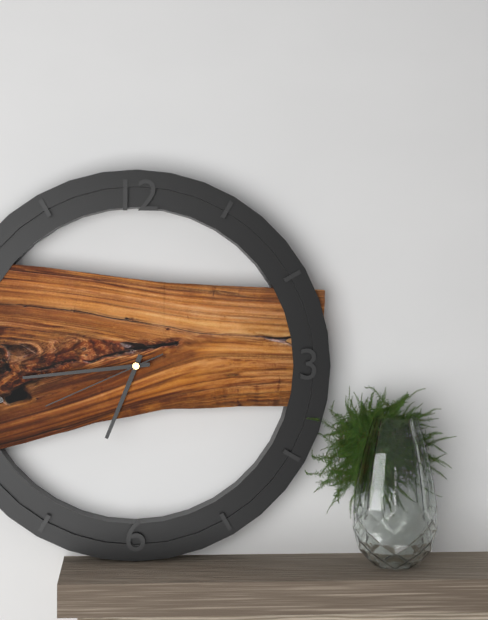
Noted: 6h44m41s
